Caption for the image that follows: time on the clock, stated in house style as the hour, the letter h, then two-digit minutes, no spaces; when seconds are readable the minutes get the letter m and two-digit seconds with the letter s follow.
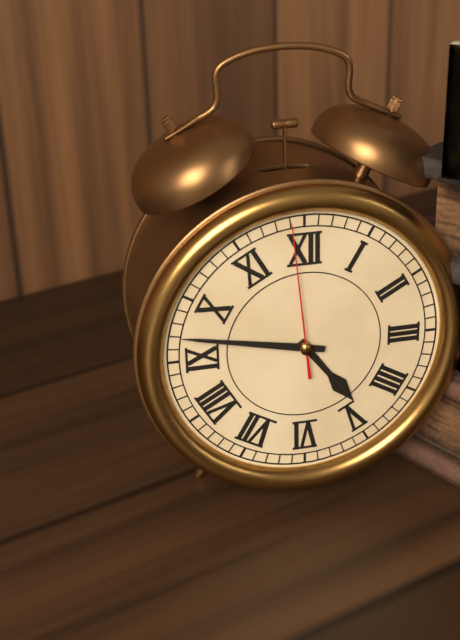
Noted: 4h47m59s
